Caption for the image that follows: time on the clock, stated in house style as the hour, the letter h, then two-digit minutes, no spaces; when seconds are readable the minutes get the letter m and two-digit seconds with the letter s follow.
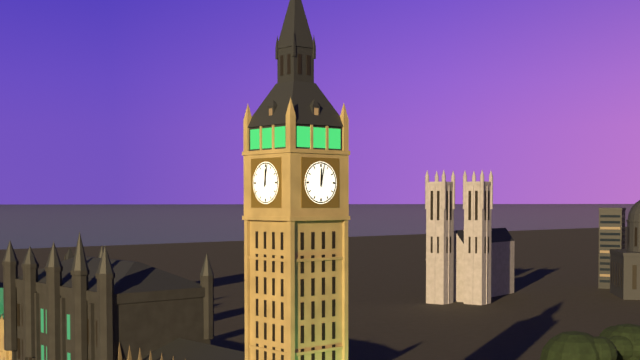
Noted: 12h02
